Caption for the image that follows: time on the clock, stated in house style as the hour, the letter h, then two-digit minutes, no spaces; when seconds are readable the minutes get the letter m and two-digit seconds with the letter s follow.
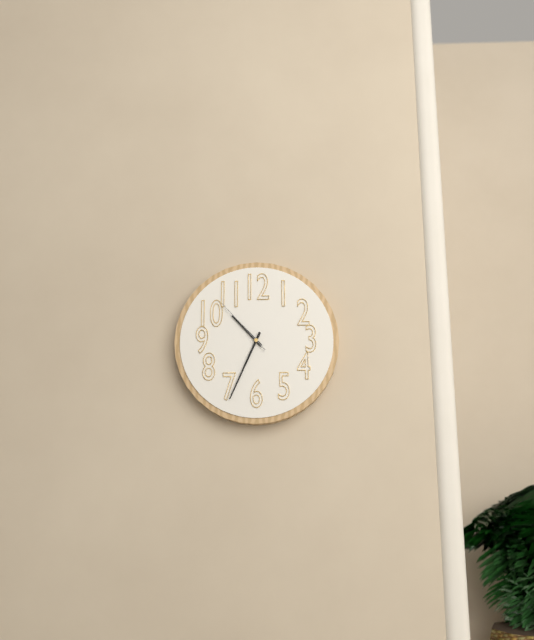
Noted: 10h34m53s
